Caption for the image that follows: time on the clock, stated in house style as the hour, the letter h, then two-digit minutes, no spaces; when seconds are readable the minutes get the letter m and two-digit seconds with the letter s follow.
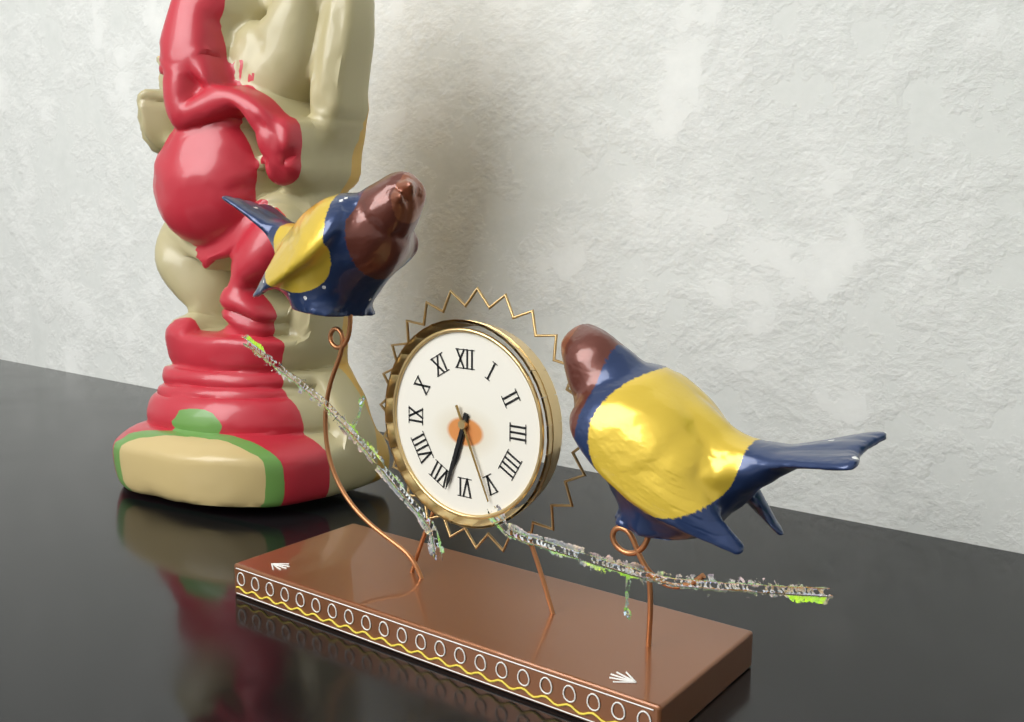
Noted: 6h33m26s
